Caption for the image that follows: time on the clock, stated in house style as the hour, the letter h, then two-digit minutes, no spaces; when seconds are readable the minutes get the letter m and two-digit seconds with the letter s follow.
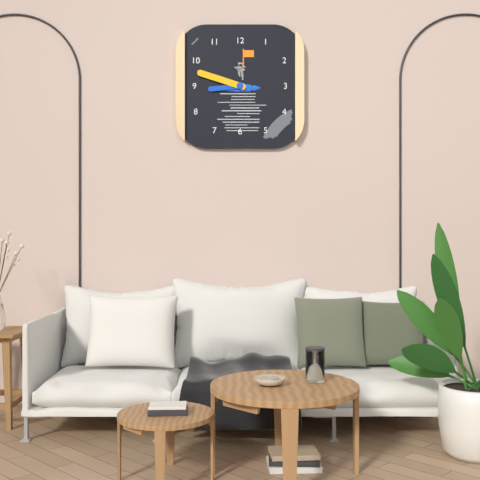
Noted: 8h48
